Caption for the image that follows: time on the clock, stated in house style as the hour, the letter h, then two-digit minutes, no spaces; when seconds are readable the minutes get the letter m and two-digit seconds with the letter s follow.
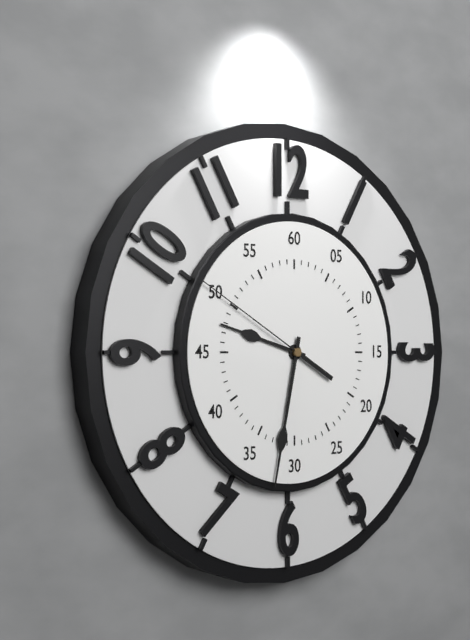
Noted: 9h32m50s
